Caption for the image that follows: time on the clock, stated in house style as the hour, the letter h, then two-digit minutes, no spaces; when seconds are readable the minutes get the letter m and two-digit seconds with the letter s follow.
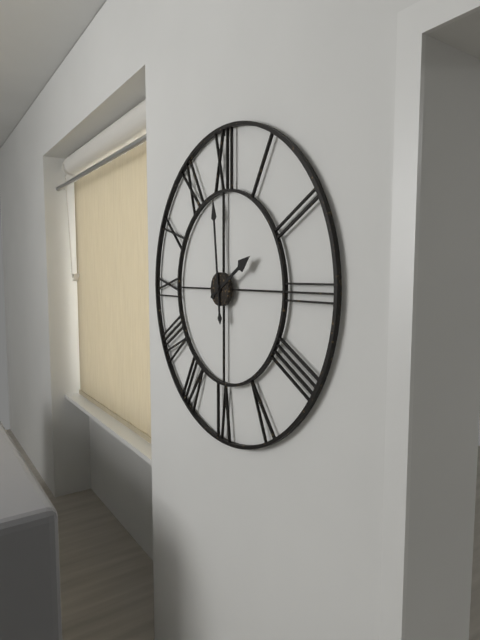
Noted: 1h59
